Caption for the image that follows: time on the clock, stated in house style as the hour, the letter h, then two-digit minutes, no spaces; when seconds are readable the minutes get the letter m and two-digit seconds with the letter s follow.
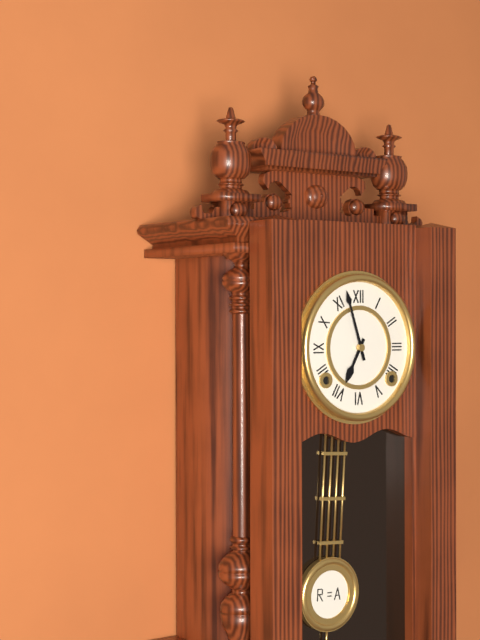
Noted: 6h57
